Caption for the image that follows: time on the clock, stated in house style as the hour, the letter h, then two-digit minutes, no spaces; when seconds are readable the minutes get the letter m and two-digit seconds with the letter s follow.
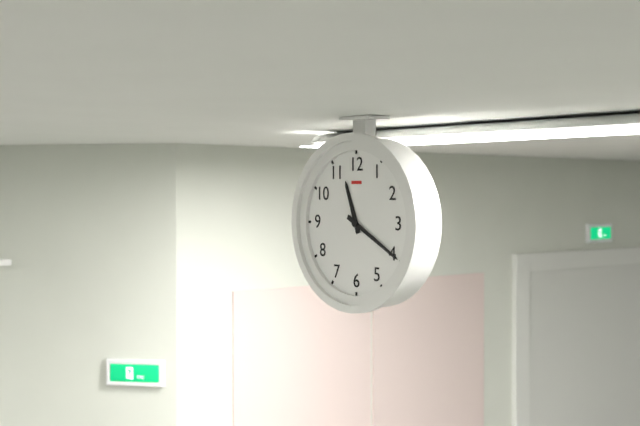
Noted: 11h20
